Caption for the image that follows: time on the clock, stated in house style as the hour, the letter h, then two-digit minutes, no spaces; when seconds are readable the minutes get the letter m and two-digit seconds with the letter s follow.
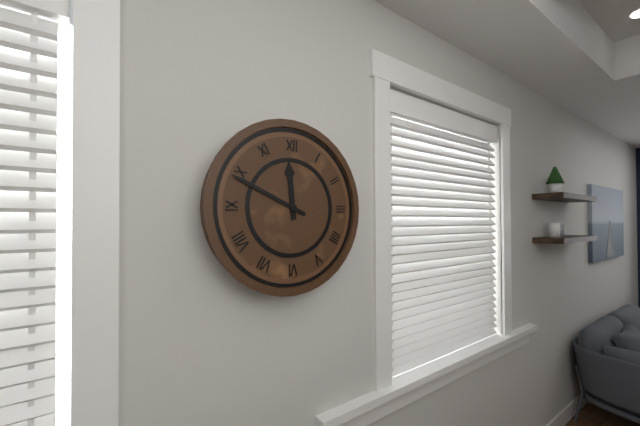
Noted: 11h49
